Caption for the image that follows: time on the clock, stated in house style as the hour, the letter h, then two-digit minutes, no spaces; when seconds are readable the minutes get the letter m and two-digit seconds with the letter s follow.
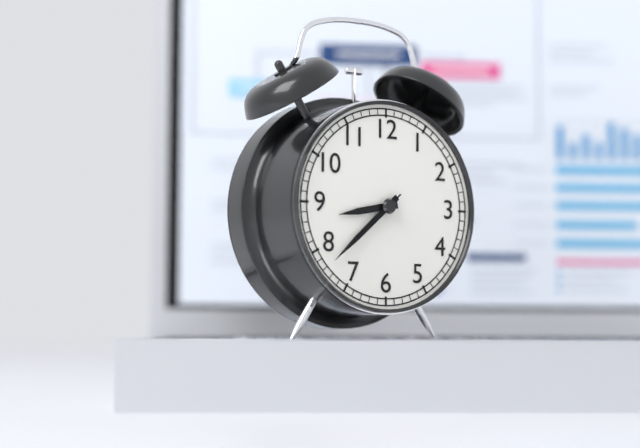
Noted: 8h38m38s
